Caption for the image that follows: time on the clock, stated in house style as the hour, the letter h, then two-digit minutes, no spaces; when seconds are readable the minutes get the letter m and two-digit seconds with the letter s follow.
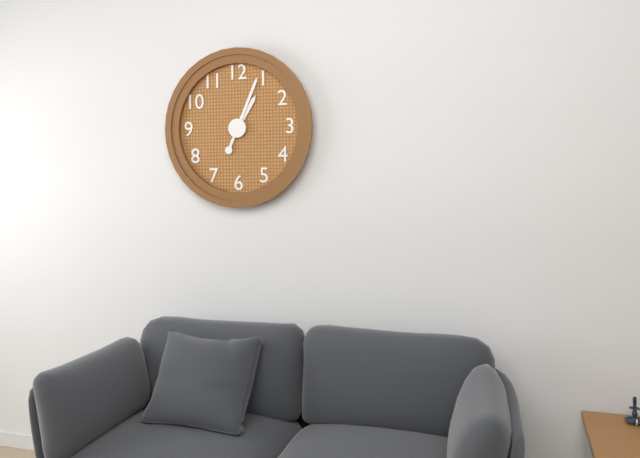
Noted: 1h04
